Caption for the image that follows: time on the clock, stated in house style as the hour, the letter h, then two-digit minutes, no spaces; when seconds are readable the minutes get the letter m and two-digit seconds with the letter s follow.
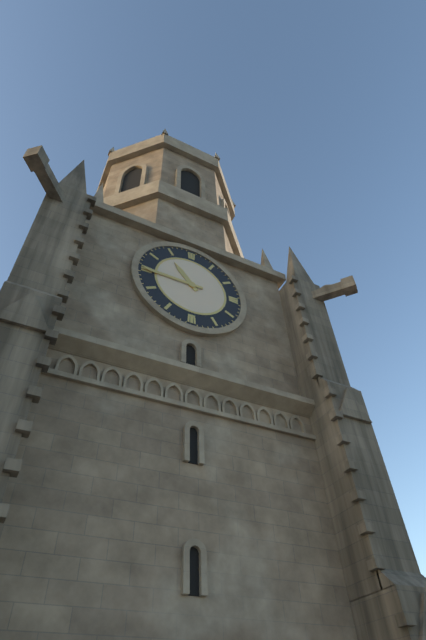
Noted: 10h45
